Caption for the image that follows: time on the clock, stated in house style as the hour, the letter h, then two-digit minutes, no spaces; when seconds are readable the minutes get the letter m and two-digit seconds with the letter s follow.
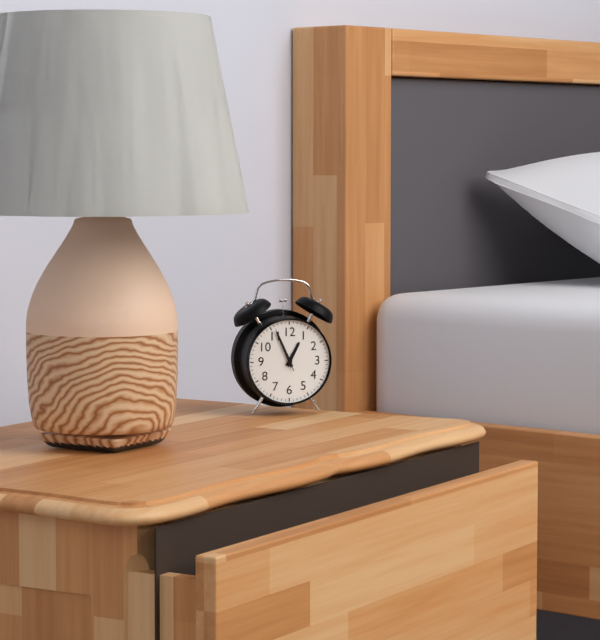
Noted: 12h56
